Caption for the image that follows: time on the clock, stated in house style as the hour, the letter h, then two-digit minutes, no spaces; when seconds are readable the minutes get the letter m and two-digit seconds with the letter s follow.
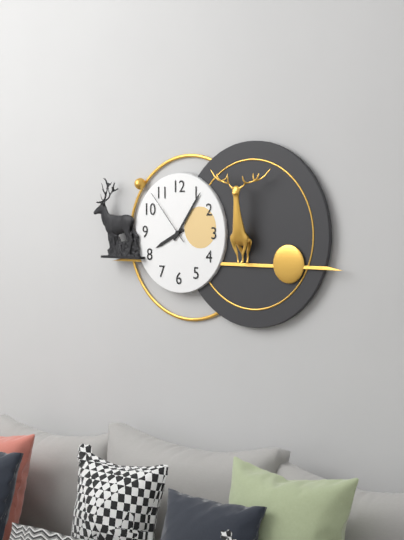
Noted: 8h06m53s
